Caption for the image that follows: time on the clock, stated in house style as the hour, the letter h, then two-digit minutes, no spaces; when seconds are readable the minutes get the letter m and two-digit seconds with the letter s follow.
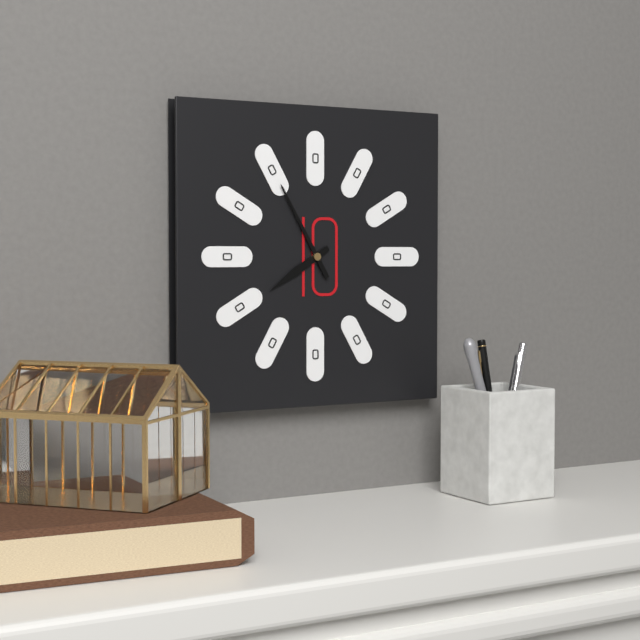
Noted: 7h55
